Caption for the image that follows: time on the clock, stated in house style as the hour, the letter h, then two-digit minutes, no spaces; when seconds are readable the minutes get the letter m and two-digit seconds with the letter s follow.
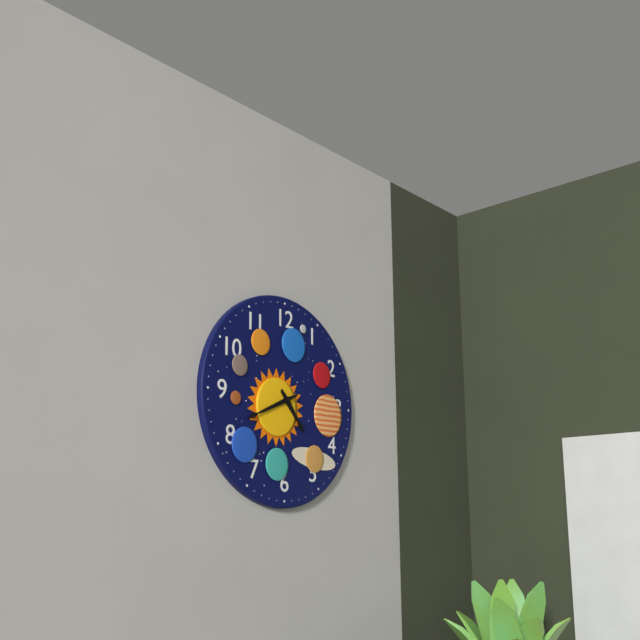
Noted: 4h41
